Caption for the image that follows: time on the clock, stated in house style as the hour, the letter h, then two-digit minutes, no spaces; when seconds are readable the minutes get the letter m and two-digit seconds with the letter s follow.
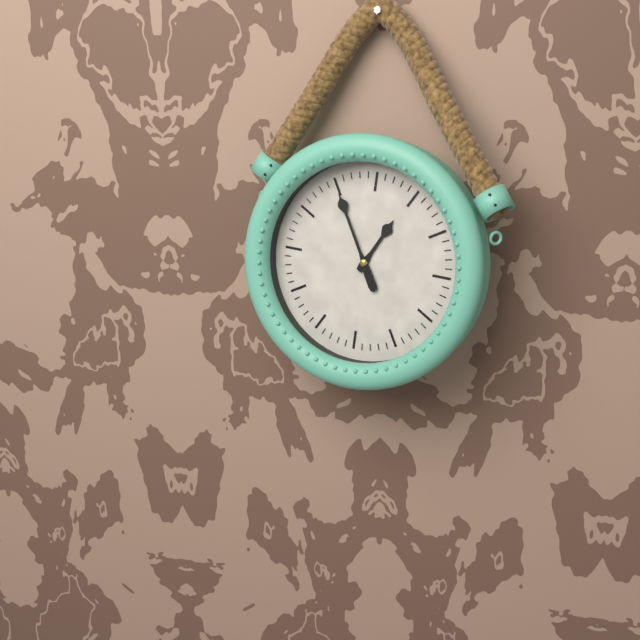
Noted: 12h55
